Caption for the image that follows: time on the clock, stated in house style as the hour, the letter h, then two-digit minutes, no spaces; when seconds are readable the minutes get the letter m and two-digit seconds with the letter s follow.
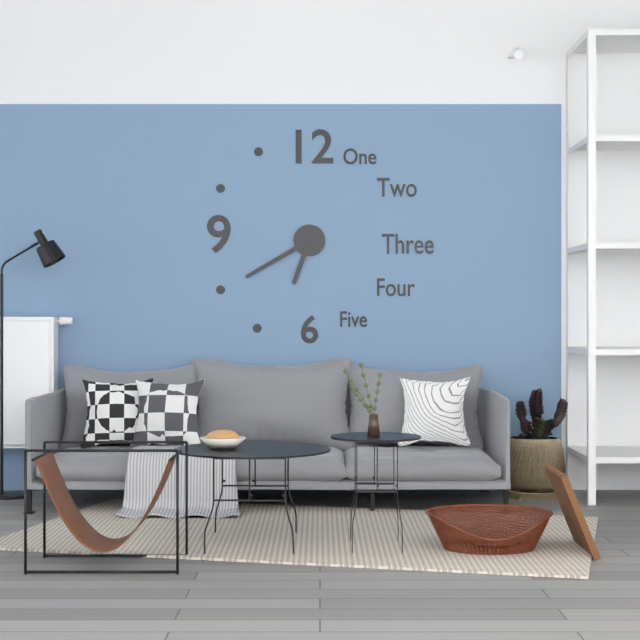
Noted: 6h40
